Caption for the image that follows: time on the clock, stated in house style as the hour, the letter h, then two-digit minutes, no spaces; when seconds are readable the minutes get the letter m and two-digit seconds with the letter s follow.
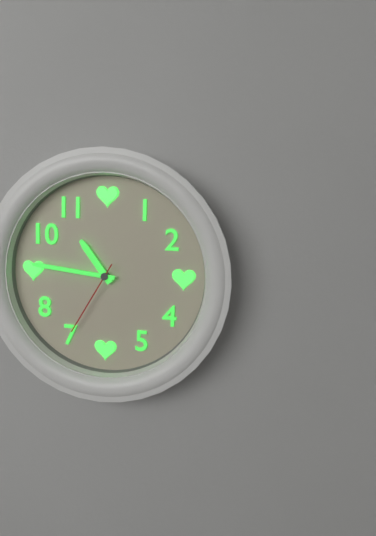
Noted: 10h46m35s
